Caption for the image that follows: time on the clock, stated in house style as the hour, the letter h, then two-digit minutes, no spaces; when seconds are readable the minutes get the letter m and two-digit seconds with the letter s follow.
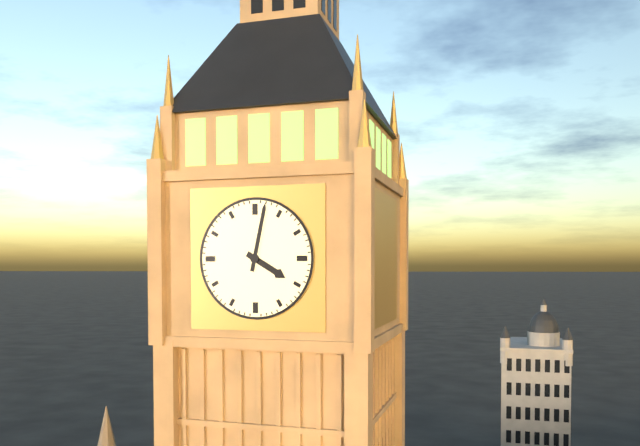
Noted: 4h02
